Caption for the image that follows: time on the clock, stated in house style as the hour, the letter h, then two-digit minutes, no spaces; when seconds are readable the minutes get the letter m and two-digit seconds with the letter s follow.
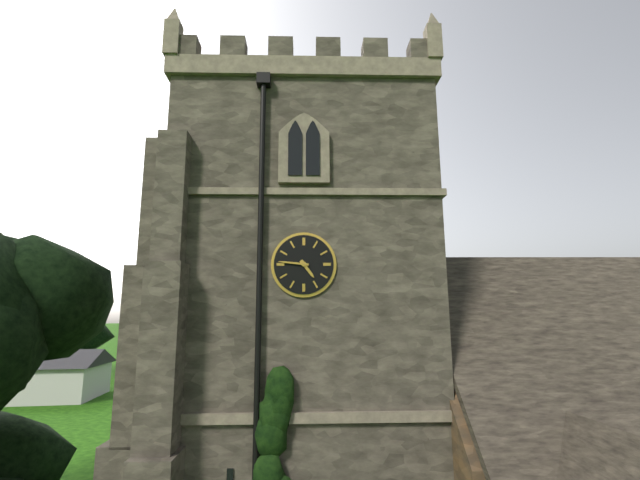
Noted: 4h46
